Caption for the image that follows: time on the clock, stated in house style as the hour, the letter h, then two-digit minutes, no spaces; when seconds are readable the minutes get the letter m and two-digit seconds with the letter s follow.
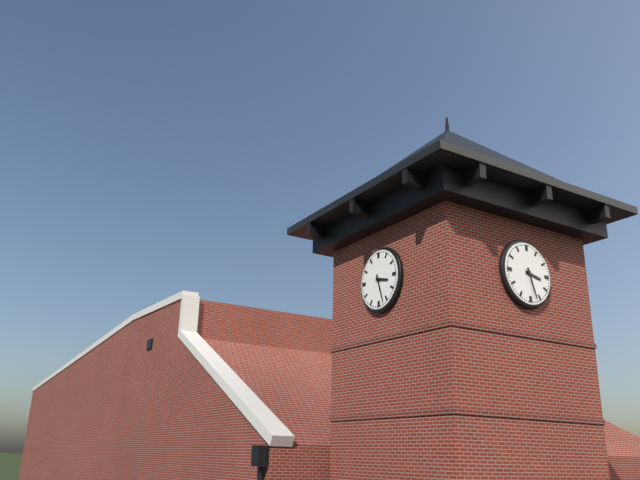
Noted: 3h27
